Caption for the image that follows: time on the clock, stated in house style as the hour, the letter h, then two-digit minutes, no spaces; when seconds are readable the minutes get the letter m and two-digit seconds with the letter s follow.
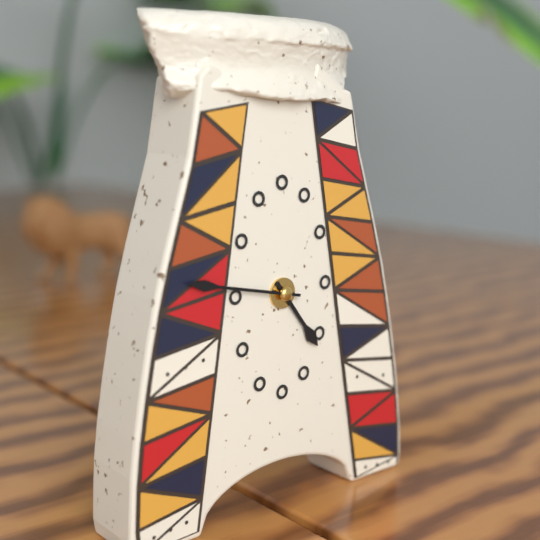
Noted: 4h47
